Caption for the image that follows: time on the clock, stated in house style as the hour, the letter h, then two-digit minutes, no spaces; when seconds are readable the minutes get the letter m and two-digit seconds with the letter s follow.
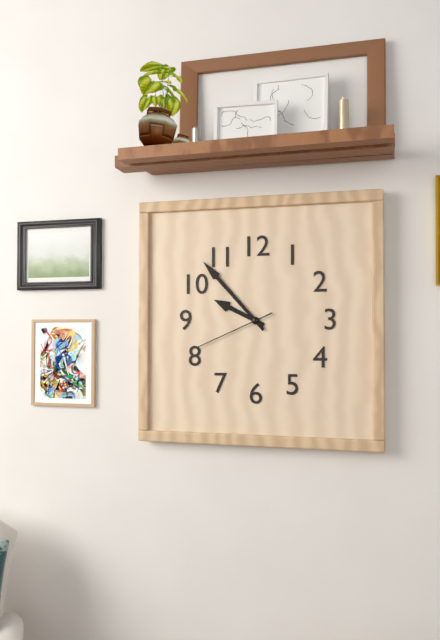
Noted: 9h53m41s
